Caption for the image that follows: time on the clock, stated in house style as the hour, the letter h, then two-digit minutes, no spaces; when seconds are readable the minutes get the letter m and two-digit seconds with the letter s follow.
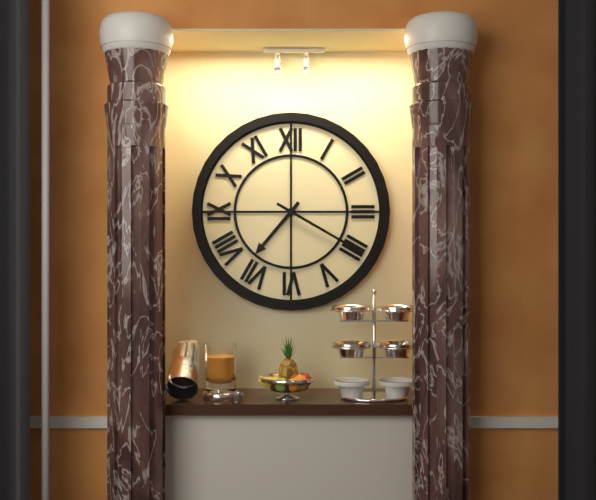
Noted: 7h20
